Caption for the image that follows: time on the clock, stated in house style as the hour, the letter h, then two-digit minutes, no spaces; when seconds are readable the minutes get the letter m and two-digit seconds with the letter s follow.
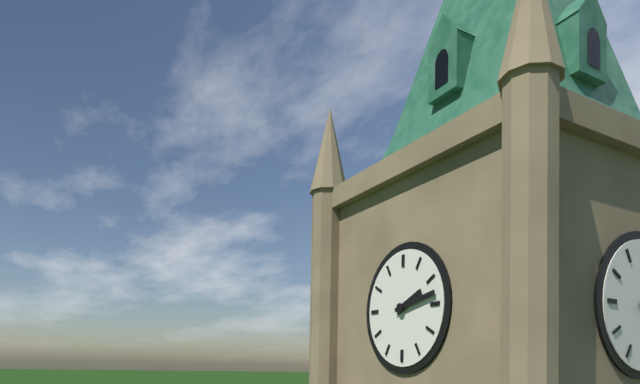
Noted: 2h13
